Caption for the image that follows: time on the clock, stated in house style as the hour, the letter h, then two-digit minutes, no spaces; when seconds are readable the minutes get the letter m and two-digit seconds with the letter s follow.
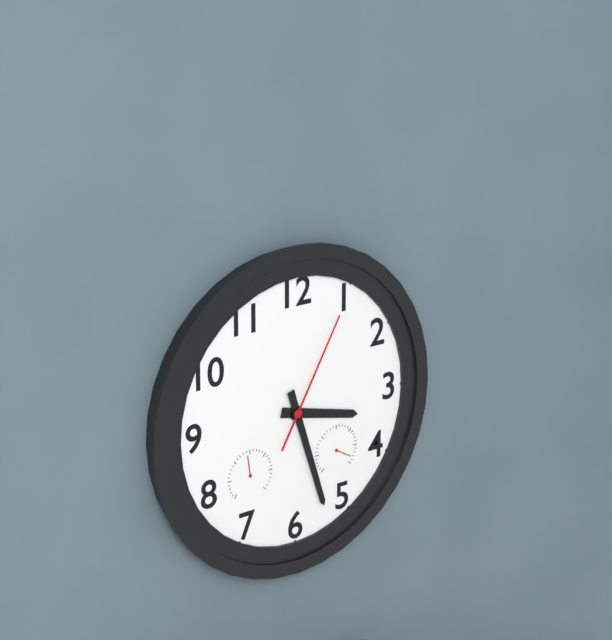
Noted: 3h27m05s
